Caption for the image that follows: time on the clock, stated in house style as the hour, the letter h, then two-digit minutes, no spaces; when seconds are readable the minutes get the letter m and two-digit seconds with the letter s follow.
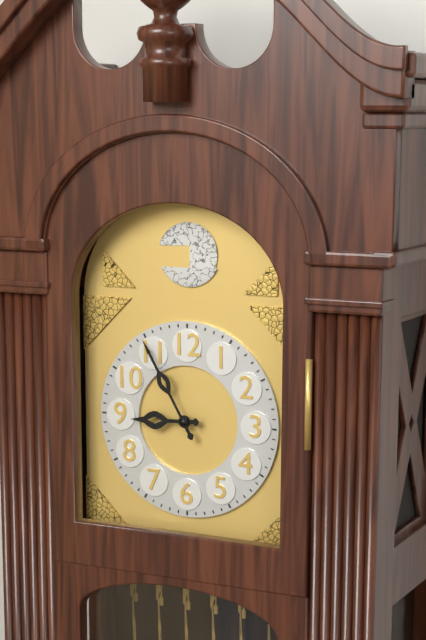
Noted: 8h55
